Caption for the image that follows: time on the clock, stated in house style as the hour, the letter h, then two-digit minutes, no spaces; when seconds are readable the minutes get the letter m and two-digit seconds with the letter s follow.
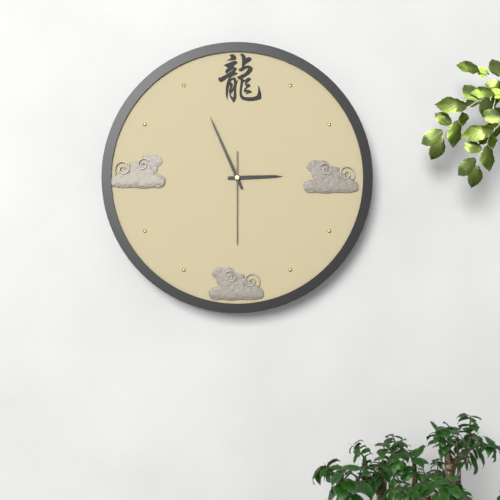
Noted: 2h56m30s
